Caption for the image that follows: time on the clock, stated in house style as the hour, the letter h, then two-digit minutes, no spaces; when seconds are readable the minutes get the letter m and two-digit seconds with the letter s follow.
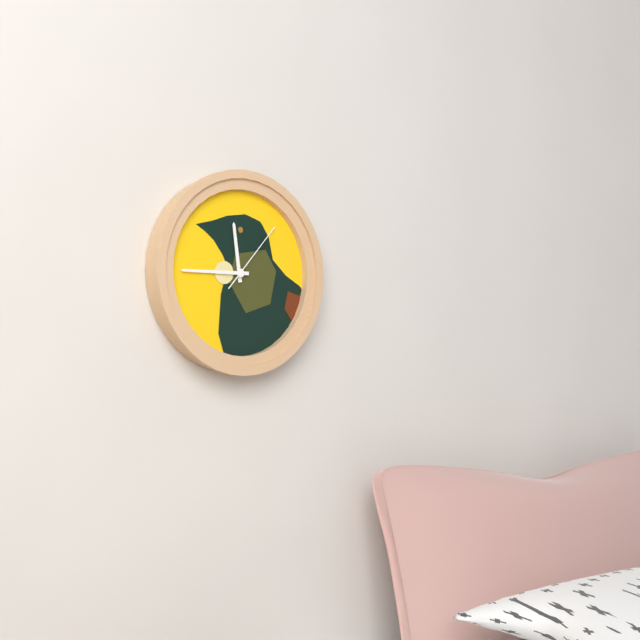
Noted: 11h45m07s
